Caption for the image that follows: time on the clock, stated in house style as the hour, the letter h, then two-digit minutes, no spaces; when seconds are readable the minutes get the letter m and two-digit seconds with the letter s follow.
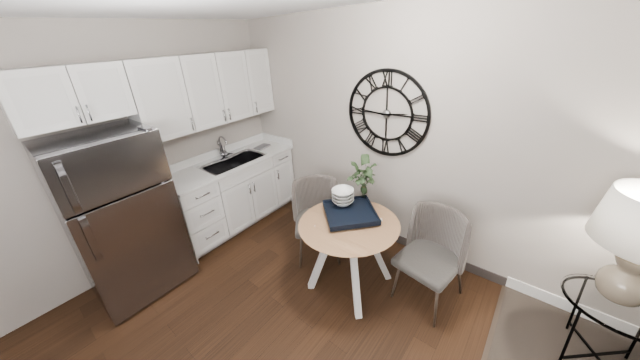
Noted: 2h46
